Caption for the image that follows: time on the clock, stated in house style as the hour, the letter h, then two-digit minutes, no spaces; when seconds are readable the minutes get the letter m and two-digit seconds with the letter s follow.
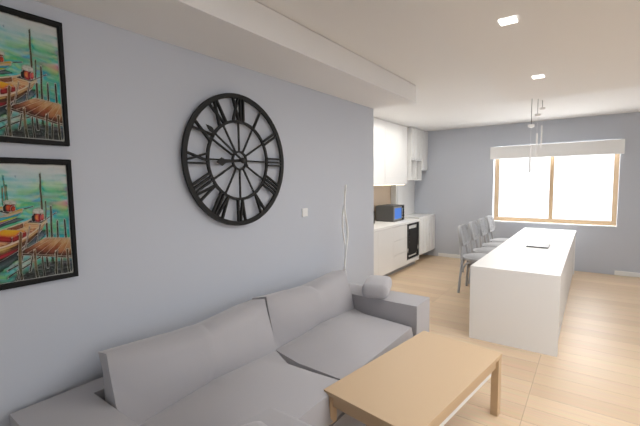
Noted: 8h51
